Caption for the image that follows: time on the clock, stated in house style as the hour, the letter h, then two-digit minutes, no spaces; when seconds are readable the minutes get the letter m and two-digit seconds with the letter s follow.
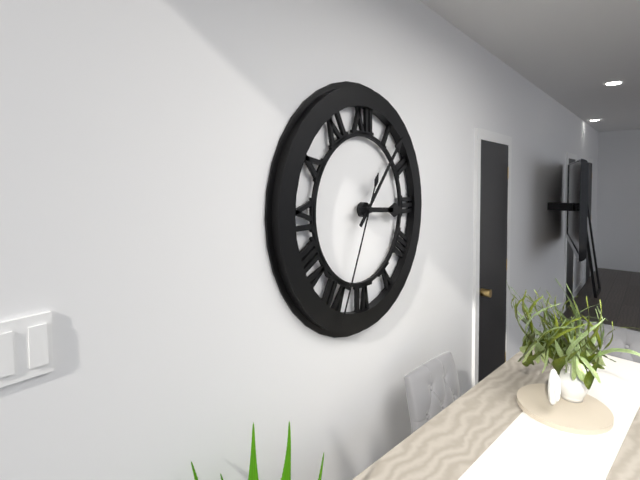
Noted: 3h07m34s
